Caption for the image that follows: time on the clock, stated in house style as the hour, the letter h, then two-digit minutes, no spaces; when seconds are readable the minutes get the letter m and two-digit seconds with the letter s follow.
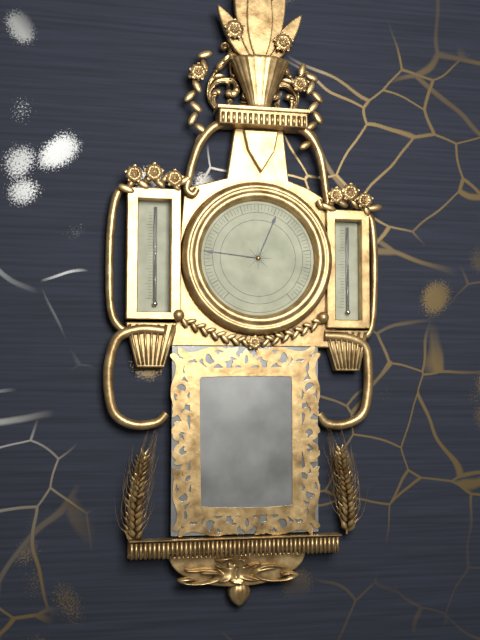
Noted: 12h46
